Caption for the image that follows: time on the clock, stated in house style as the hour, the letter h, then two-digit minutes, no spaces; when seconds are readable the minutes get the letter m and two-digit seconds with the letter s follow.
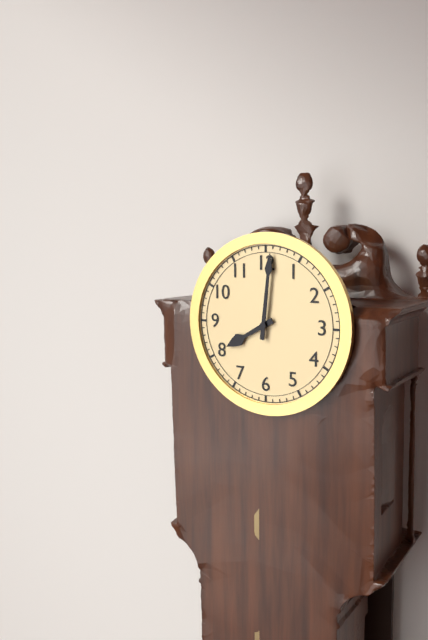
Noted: 8h01
